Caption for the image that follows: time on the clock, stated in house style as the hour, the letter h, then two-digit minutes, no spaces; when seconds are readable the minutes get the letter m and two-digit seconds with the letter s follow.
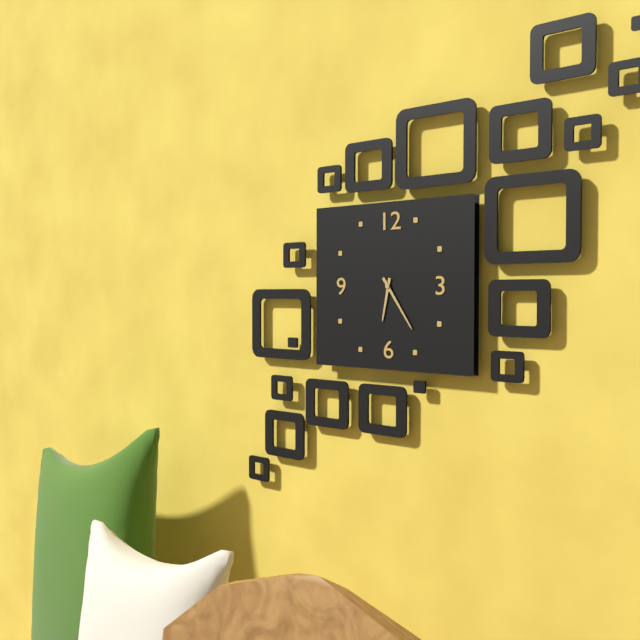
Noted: 6h24
